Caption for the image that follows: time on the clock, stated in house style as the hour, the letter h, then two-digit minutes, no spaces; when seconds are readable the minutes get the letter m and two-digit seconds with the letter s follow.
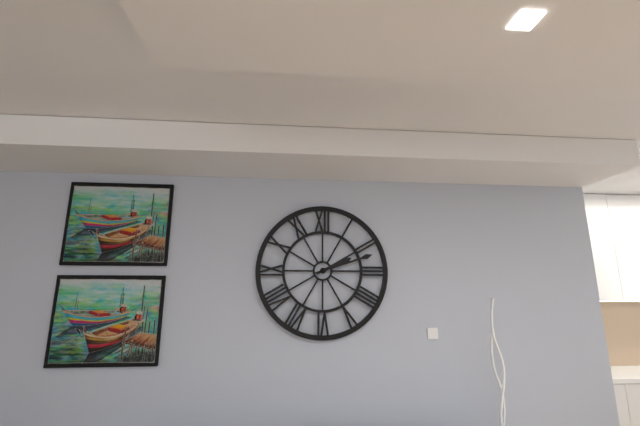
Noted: 2h12
